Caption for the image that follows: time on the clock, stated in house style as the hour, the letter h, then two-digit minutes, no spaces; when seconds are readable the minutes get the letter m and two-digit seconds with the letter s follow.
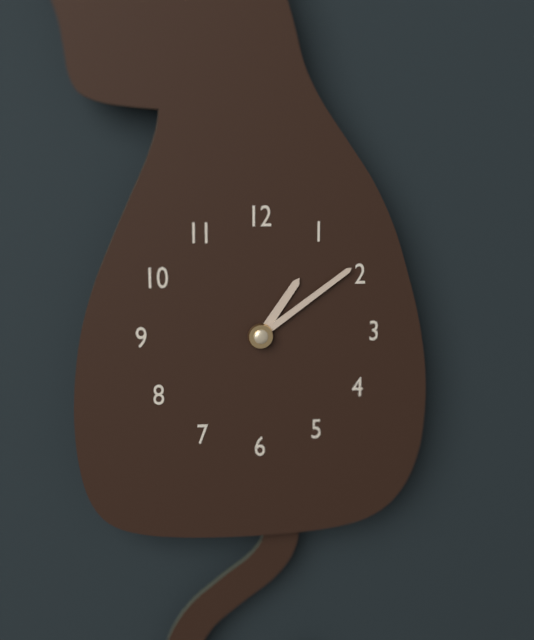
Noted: 1h09
